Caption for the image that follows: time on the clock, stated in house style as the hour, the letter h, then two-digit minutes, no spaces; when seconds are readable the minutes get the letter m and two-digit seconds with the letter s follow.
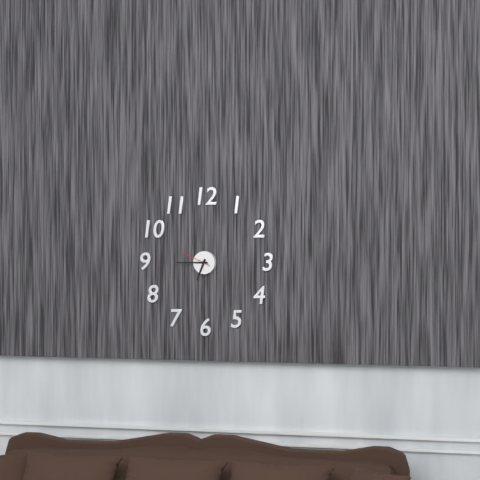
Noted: 6h45
